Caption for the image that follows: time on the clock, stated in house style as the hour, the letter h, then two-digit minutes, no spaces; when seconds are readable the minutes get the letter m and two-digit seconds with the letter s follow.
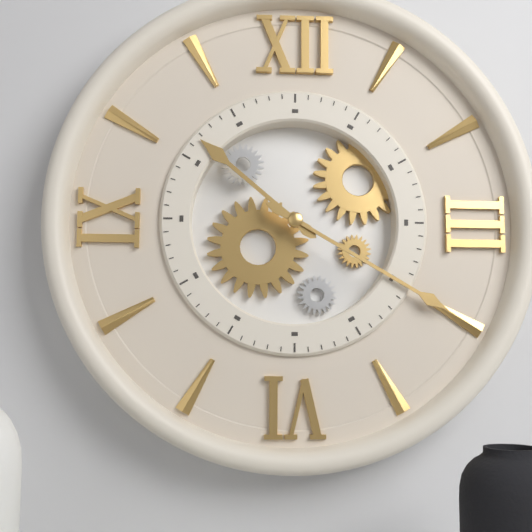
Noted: 10h20
